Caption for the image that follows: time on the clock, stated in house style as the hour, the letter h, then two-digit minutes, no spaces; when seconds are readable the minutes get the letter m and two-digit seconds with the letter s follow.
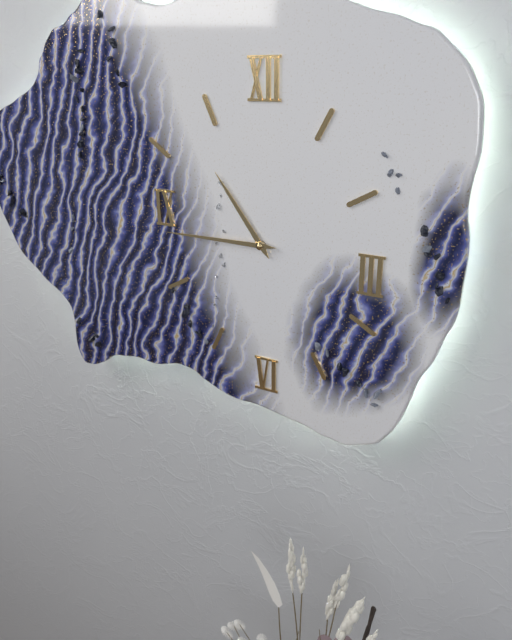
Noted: 10h45
